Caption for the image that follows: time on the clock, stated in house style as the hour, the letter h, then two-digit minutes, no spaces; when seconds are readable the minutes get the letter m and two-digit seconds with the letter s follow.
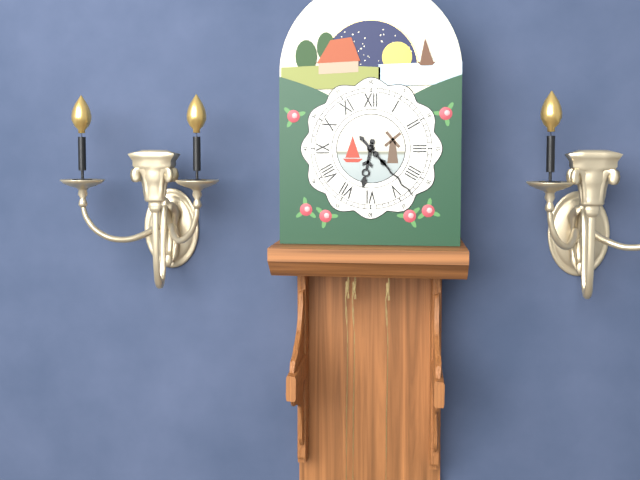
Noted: 6h23
